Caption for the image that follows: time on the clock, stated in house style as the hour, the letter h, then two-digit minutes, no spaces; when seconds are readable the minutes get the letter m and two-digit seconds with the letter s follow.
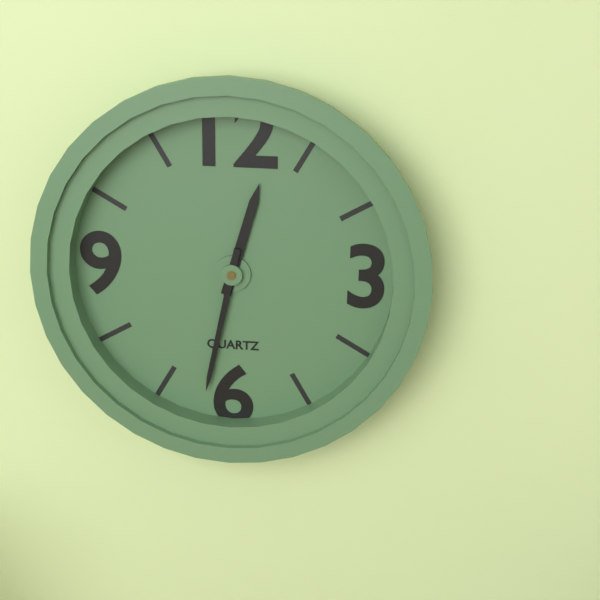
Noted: 12h32
